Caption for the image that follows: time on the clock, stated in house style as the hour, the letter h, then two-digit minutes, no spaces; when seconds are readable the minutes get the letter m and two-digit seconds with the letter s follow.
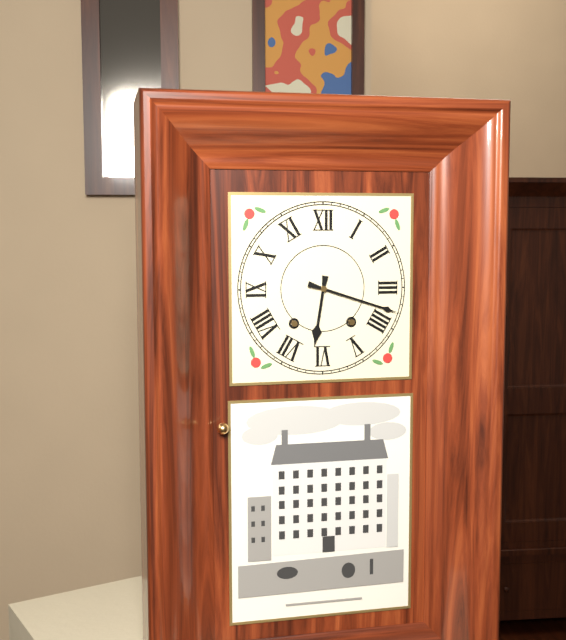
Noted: 6h18
